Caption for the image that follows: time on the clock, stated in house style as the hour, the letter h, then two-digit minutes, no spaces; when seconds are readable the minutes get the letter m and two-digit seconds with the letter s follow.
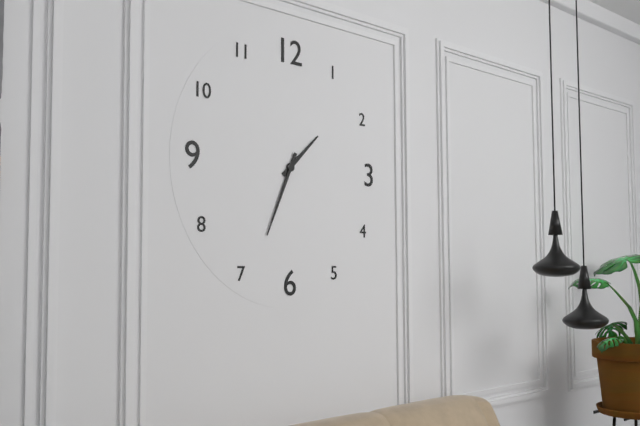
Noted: 1h34
